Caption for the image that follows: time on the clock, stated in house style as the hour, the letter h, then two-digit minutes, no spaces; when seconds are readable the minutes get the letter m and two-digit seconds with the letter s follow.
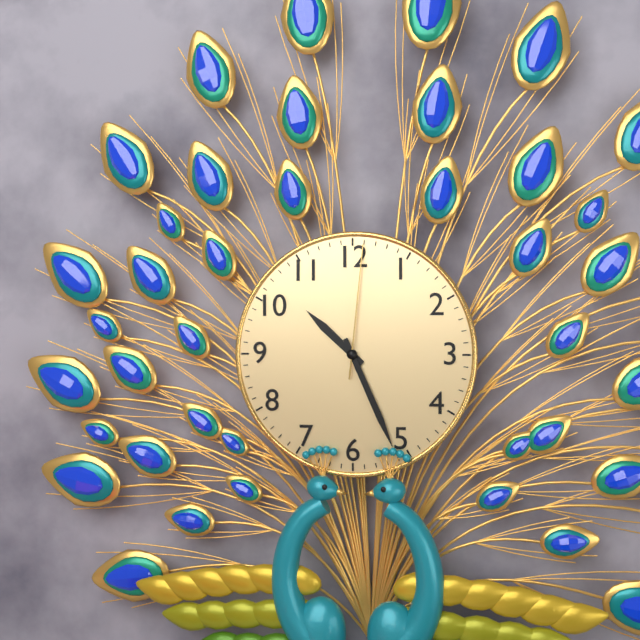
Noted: 10h26m01s
